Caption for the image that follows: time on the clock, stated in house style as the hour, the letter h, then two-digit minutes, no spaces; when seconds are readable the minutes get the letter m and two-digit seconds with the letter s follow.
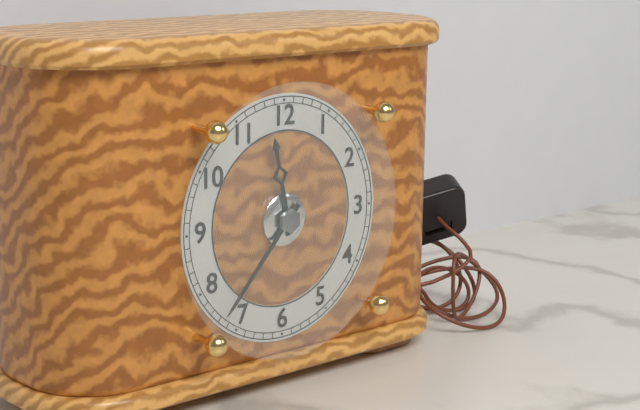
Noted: 11h37
